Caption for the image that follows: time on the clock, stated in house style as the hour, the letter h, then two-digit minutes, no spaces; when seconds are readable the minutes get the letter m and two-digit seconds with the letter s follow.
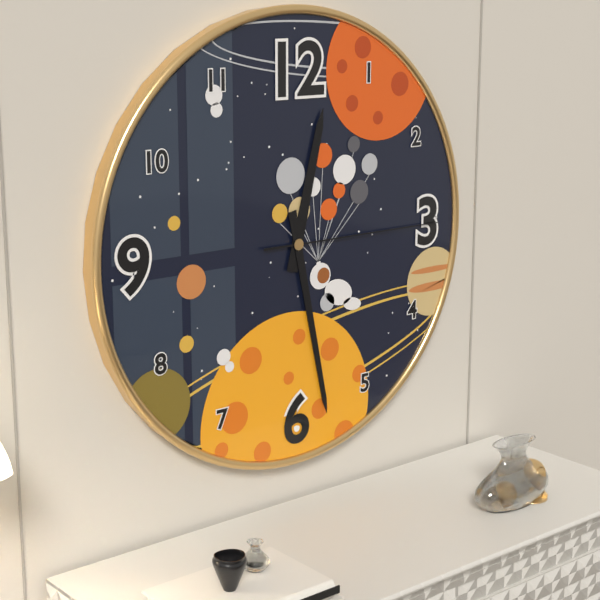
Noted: 12h28m15s
